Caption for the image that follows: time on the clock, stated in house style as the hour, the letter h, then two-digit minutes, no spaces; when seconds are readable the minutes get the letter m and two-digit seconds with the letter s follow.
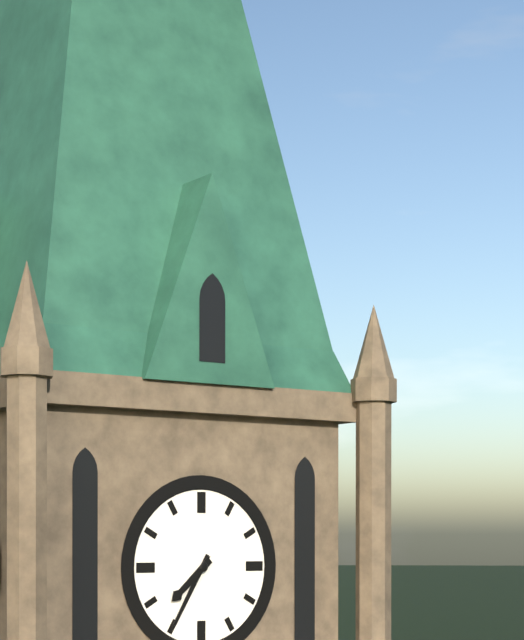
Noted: 7h35
